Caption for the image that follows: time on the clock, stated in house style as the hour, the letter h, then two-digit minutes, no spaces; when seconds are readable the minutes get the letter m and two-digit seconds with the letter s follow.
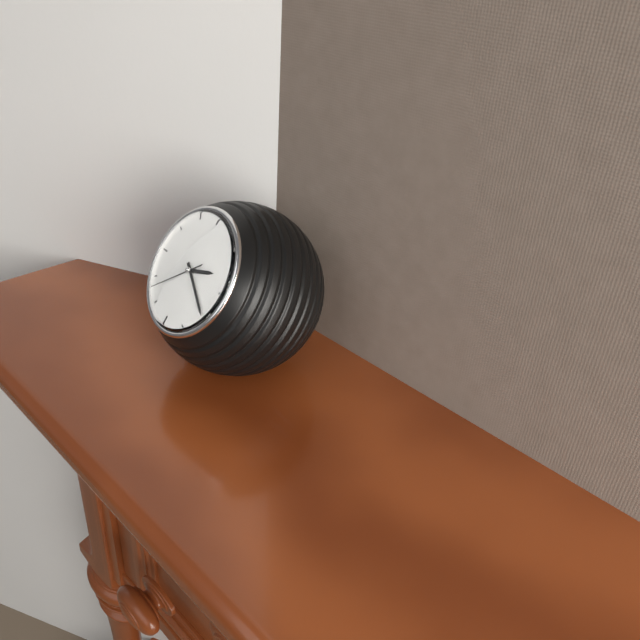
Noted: 2h20m38s
